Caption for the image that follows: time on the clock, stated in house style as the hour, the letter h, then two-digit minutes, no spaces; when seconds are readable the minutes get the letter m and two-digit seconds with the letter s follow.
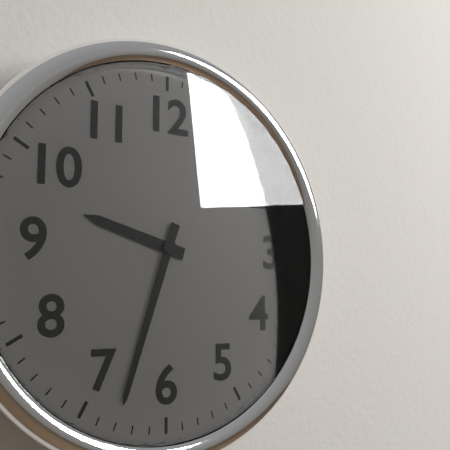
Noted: 9h33
